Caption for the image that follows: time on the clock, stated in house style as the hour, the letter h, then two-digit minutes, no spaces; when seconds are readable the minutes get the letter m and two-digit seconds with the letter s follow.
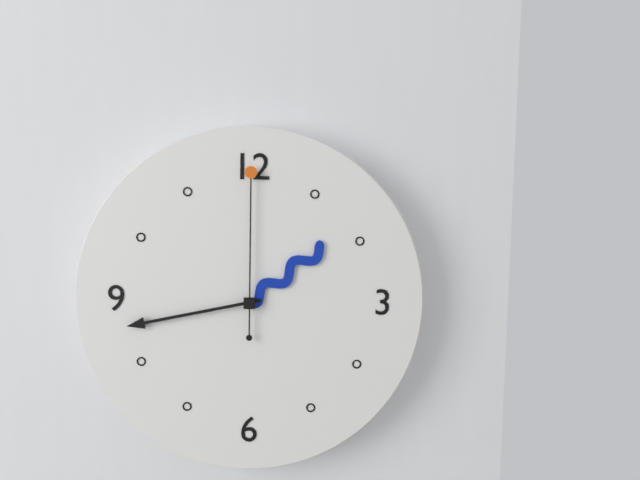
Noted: 1h43m00s
